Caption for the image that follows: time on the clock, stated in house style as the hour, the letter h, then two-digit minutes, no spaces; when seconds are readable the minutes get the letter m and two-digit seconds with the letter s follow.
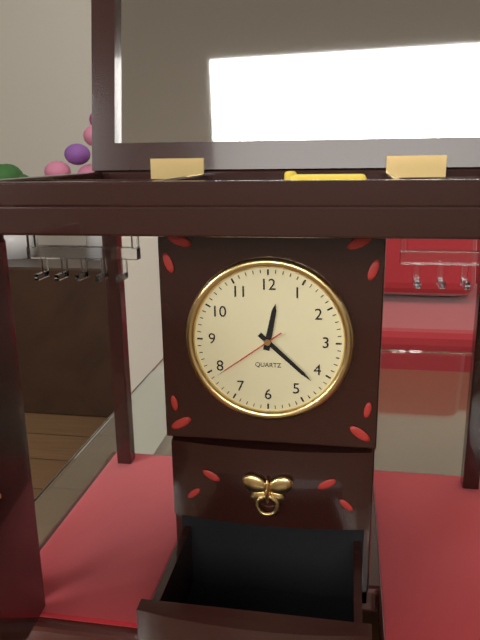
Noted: 12h22m39s
